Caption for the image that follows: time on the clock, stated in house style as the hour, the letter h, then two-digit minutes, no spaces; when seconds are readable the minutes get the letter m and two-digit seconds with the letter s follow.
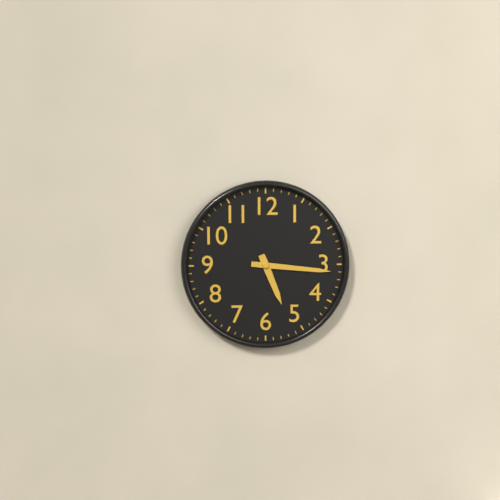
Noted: 5h16
